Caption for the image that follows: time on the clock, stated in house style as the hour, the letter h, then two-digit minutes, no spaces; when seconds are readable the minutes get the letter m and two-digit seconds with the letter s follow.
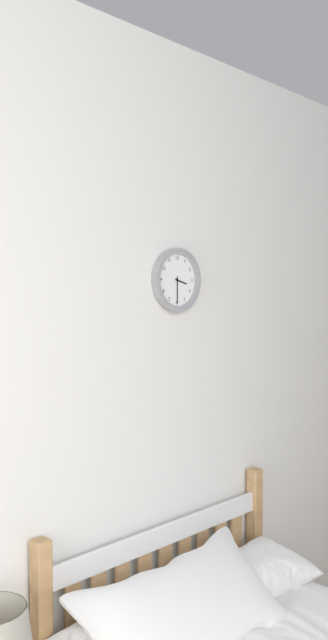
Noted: 3h30
